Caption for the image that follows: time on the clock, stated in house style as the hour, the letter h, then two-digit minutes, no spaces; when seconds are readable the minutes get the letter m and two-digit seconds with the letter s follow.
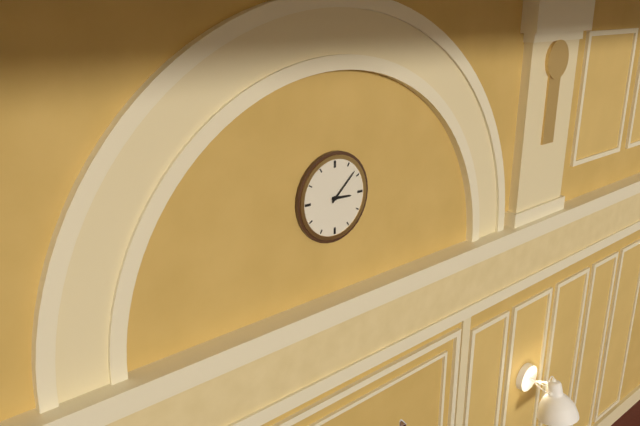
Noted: 3h08
